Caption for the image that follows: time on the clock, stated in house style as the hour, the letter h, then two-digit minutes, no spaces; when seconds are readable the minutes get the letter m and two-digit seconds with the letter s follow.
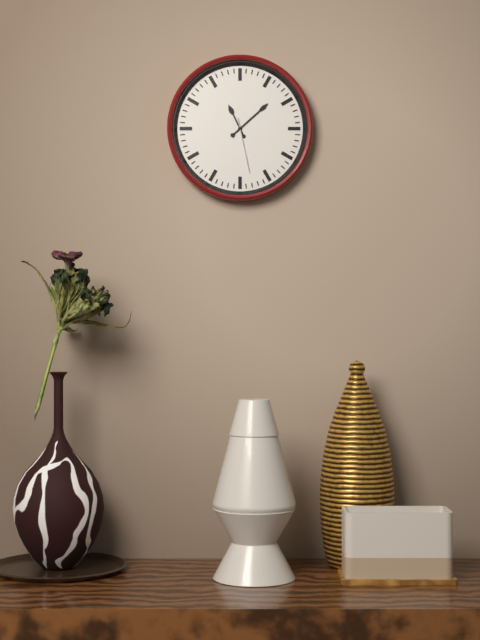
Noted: 11h08m28s
